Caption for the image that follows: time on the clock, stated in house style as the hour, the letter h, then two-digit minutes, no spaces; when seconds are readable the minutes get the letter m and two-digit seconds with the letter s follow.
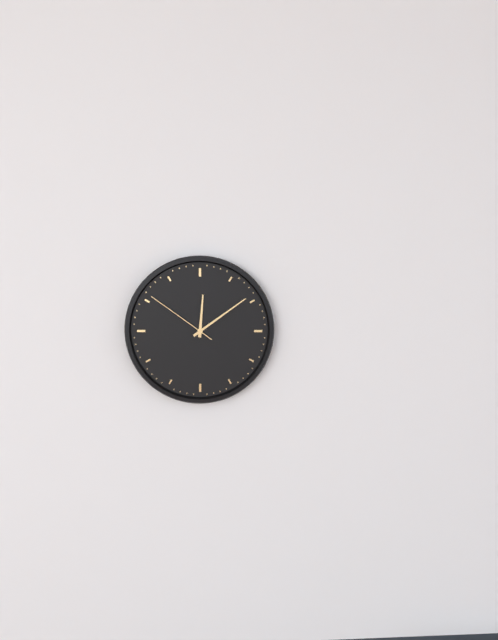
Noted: 12h09m51s
